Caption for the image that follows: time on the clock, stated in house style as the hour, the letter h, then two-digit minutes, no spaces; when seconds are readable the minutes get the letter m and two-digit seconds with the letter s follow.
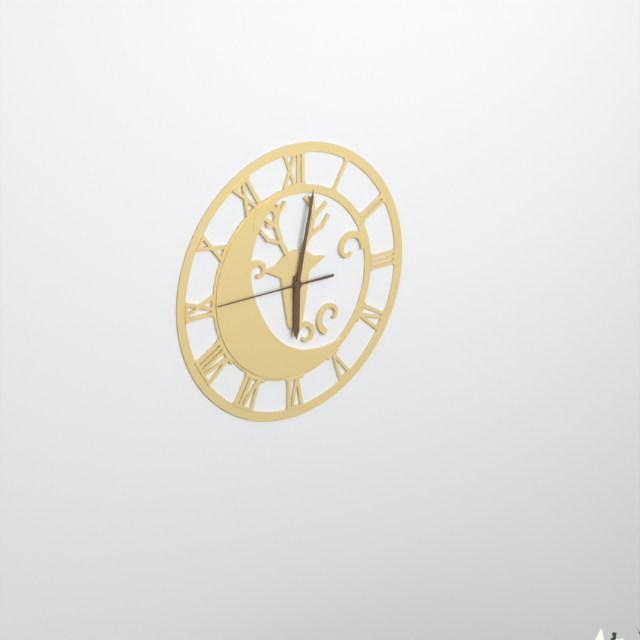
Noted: 6h02m45s
